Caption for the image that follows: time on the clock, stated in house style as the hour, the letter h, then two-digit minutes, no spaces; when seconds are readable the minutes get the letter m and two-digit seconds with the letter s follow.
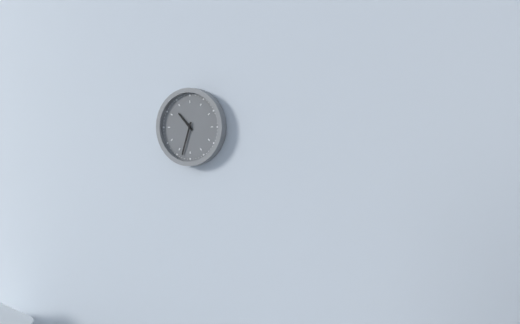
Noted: 10h33
